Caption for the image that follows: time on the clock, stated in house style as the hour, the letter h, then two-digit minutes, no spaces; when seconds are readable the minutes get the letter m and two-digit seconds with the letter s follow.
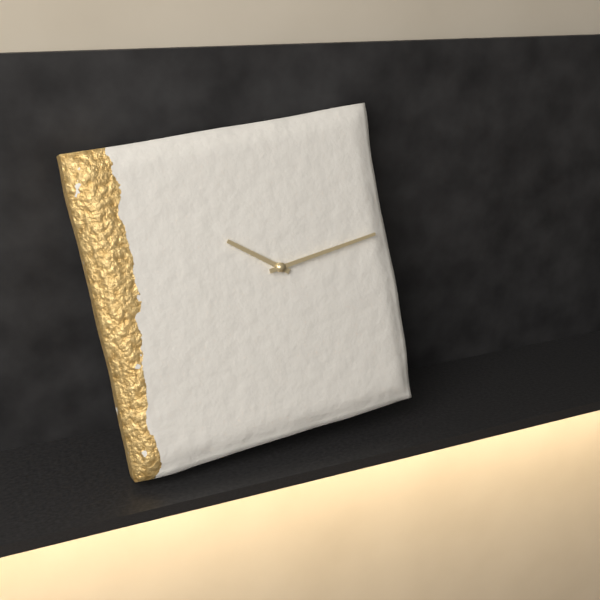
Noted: 10h14
